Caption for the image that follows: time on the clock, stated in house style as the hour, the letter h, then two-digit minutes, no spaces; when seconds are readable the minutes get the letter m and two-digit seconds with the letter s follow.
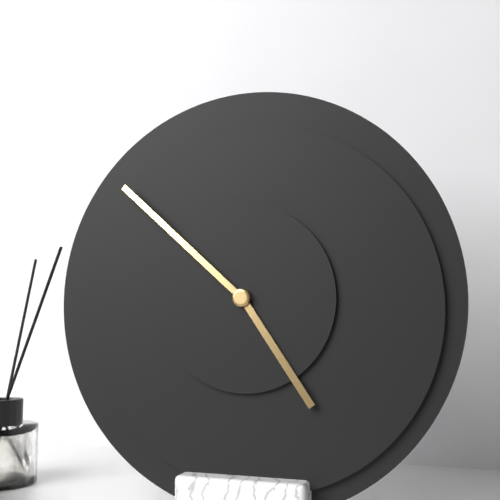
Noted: 4h52
